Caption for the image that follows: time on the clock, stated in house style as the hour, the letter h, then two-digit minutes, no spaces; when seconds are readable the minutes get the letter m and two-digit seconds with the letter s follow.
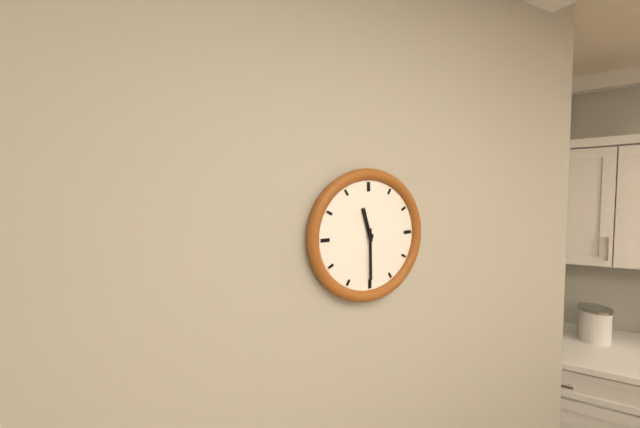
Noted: 11h30
